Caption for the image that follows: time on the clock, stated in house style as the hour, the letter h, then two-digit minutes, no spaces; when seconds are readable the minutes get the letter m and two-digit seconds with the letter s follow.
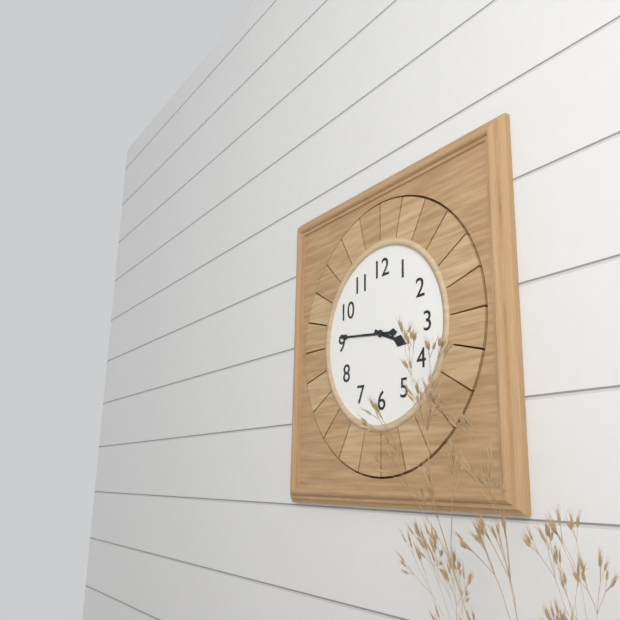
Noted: 3h46
